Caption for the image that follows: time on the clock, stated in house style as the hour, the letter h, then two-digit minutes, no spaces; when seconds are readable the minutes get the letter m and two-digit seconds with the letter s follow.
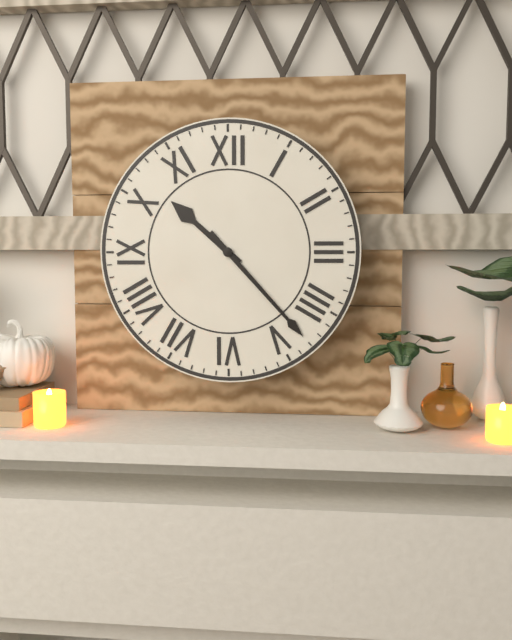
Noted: 10h23
